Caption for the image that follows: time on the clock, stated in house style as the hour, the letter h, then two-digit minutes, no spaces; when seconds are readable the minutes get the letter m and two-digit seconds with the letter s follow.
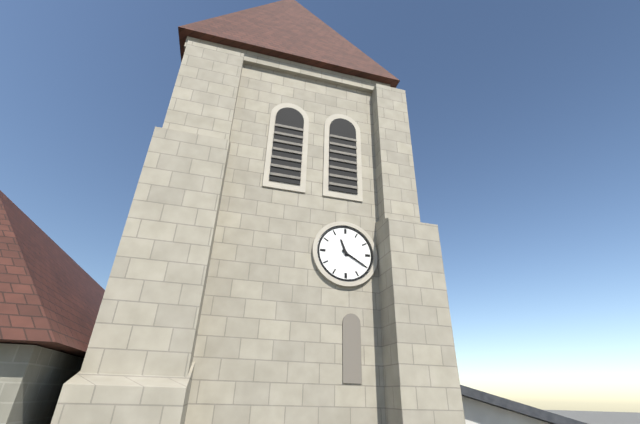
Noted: 11h20
